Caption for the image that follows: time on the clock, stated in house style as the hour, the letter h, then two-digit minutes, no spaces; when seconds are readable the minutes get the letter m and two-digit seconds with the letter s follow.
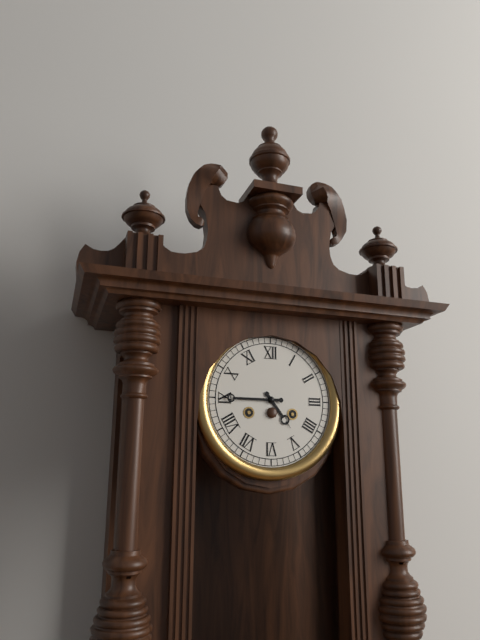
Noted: 4h45
